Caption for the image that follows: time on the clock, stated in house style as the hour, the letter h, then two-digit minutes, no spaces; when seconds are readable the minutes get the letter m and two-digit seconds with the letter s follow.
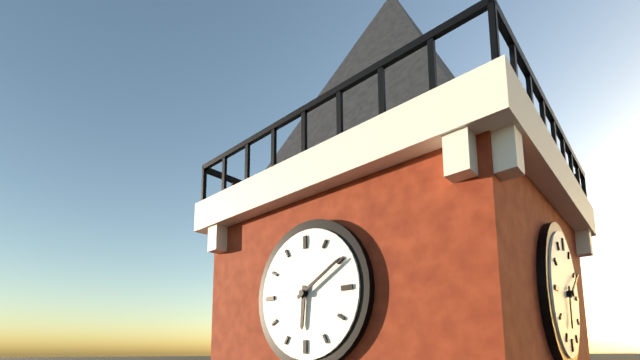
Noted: 6h10
